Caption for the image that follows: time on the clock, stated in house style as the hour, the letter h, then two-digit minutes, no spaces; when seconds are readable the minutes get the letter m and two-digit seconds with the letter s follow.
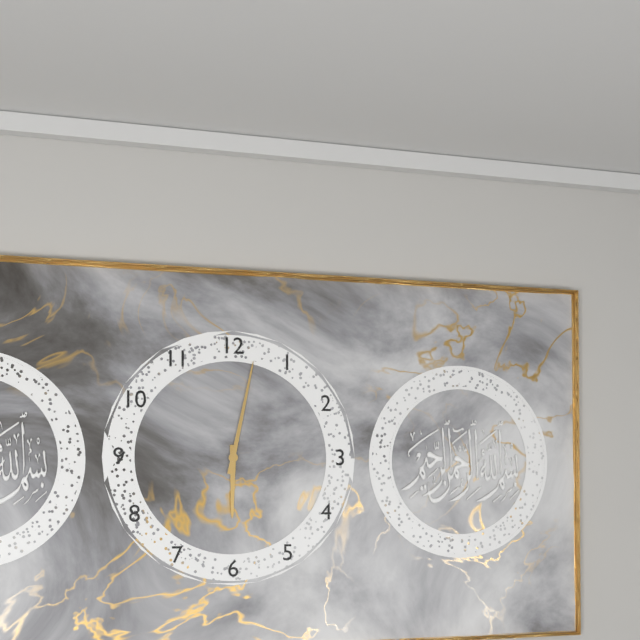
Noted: 6h02
